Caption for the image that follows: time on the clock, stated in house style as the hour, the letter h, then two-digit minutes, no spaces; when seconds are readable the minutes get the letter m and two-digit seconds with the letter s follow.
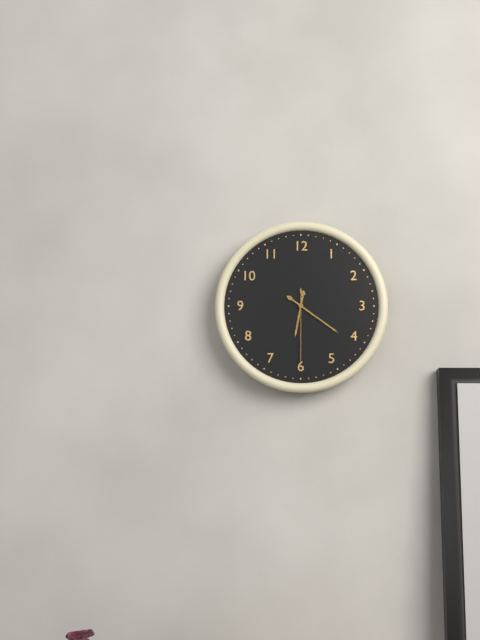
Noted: 6h21m30s
